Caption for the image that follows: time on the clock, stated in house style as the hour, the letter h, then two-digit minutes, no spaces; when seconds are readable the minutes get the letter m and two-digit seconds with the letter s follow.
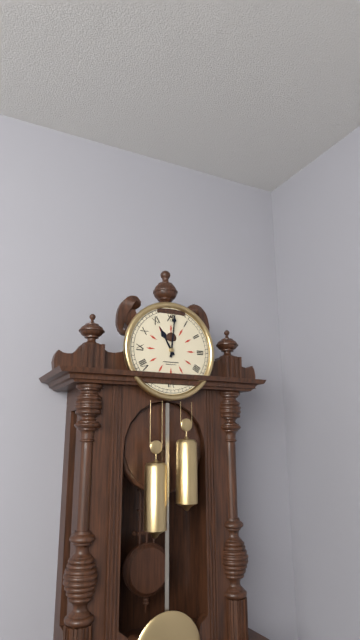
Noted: 11h01
